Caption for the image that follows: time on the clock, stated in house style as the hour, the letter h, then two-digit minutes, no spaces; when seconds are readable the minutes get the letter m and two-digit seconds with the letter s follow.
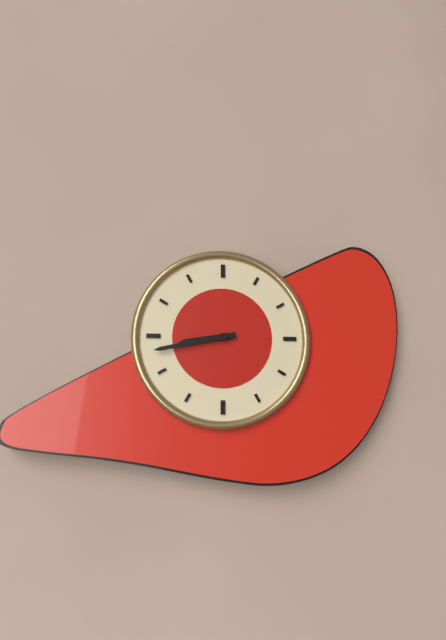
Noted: 8h43
